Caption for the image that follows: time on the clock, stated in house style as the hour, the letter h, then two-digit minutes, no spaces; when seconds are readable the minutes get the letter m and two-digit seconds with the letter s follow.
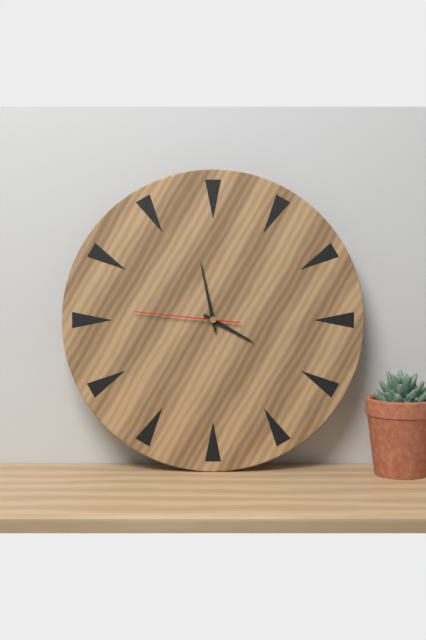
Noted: 3h58m46s
